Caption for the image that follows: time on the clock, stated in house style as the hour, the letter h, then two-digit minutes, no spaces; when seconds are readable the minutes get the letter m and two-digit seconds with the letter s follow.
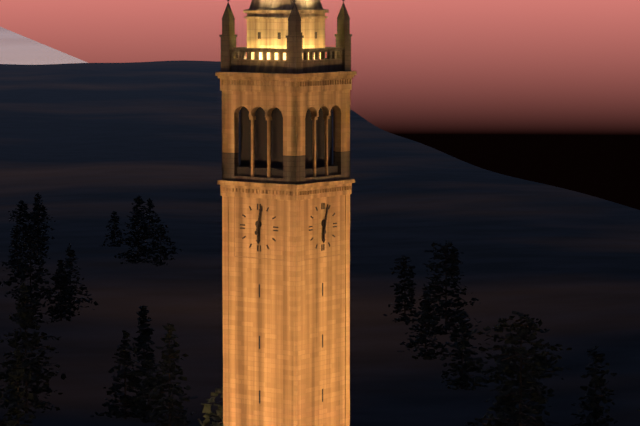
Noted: 6h02
